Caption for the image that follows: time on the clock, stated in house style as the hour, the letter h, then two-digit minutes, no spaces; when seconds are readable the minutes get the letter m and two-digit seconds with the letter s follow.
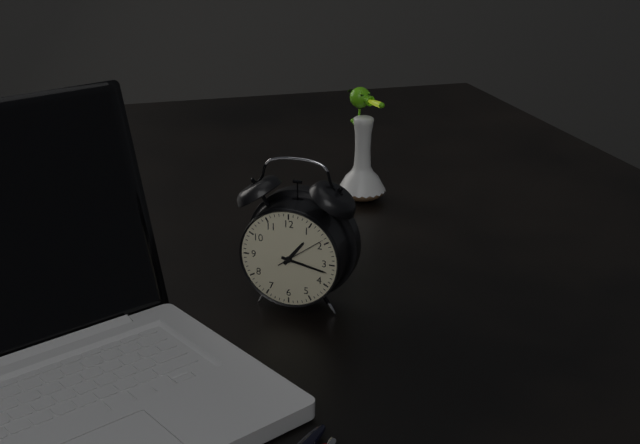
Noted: 1h17
